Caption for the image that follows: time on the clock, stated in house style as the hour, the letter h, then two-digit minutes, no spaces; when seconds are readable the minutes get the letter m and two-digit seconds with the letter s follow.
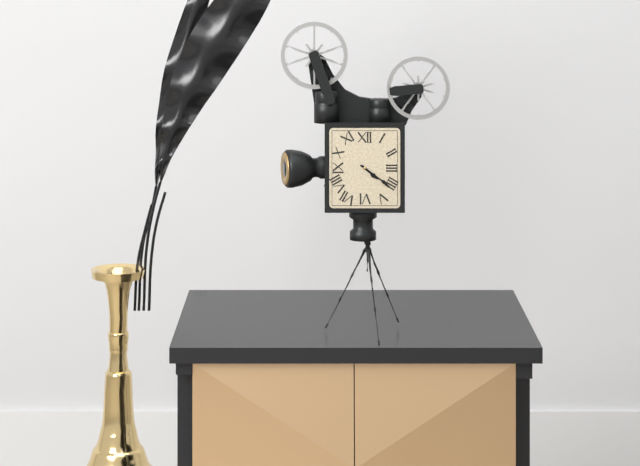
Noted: 4h21
